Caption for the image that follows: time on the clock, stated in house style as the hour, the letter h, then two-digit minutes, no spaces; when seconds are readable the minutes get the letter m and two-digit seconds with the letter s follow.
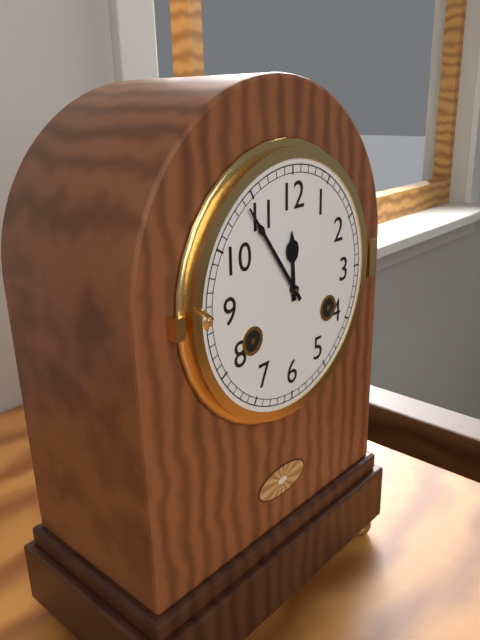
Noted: 11h54
